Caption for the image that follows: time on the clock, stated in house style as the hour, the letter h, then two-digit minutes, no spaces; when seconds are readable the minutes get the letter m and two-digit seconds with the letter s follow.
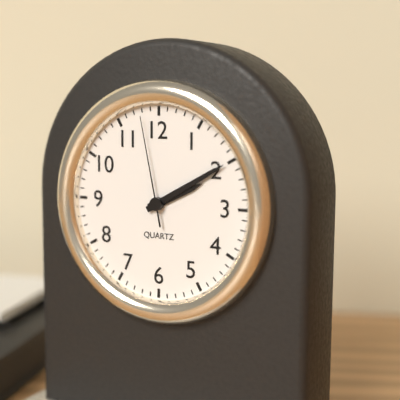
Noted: 2h10m58s
